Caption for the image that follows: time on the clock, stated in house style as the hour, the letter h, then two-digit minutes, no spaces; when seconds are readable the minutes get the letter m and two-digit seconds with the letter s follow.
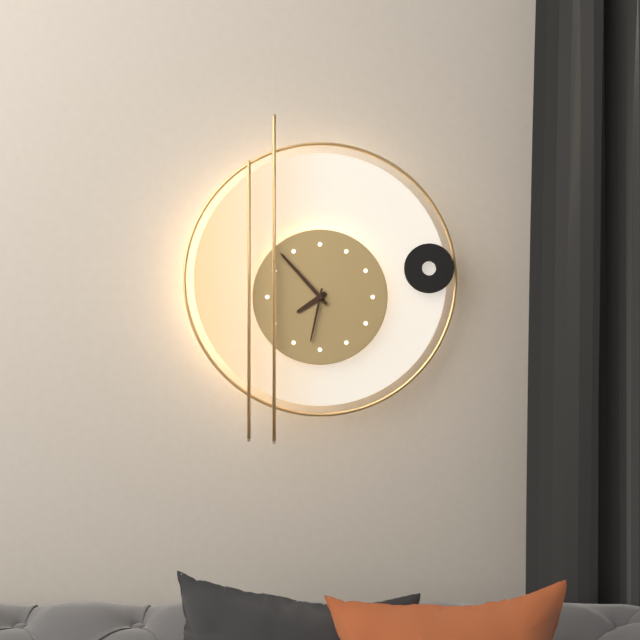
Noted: 7h53m32s
